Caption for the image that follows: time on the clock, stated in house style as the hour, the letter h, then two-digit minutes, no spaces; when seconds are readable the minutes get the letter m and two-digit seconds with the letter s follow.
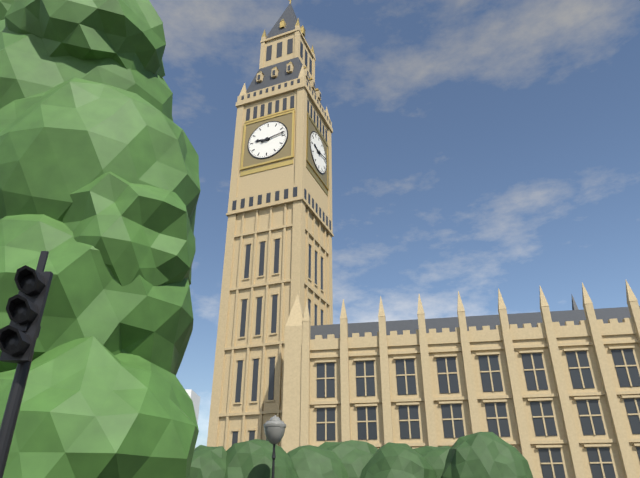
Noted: 9h13
